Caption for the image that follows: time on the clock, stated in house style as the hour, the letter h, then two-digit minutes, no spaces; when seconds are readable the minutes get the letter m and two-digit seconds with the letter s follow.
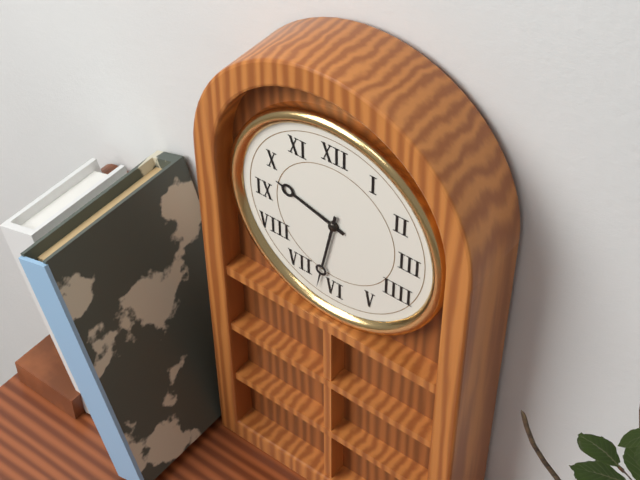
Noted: 9h32
